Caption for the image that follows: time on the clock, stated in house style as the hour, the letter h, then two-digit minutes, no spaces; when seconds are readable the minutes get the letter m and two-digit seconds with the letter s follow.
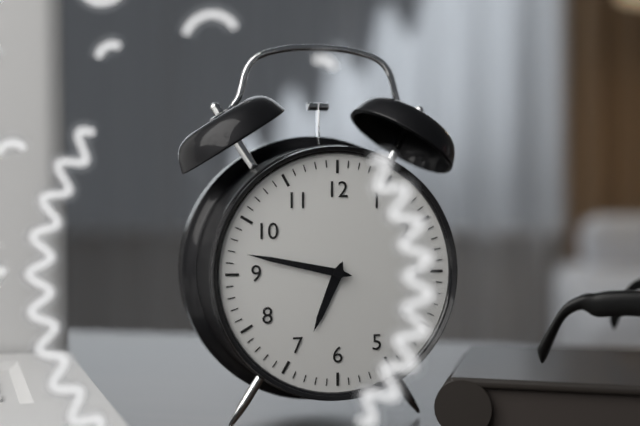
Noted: 6h47
